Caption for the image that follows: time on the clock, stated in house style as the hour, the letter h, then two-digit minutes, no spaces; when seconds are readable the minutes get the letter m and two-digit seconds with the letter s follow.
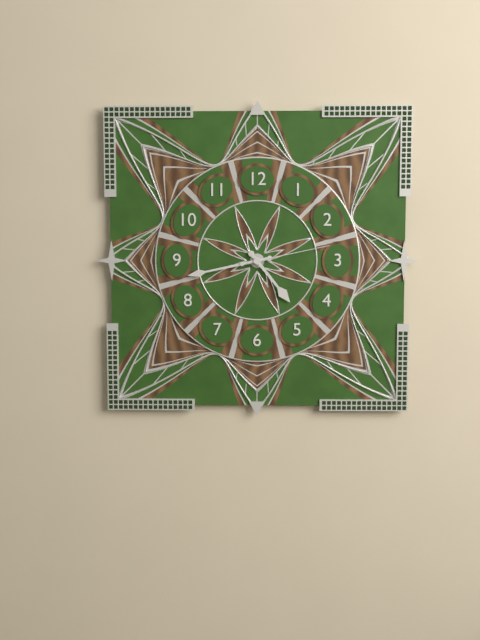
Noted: 4h43m13s
